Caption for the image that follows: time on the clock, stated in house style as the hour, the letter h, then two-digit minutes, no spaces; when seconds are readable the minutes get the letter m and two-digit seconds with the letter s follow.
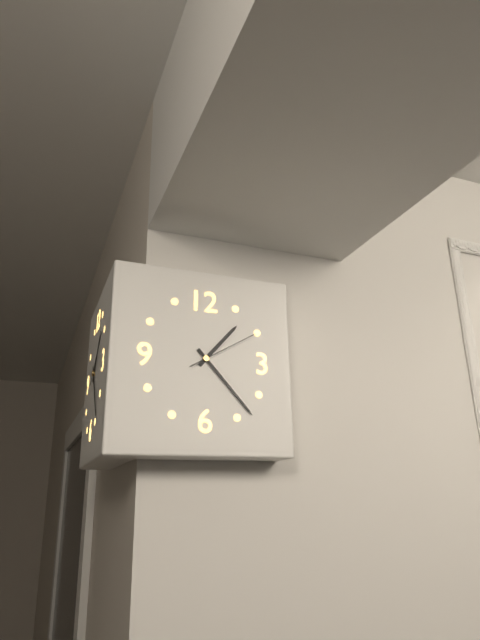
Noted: 1h23m10s
